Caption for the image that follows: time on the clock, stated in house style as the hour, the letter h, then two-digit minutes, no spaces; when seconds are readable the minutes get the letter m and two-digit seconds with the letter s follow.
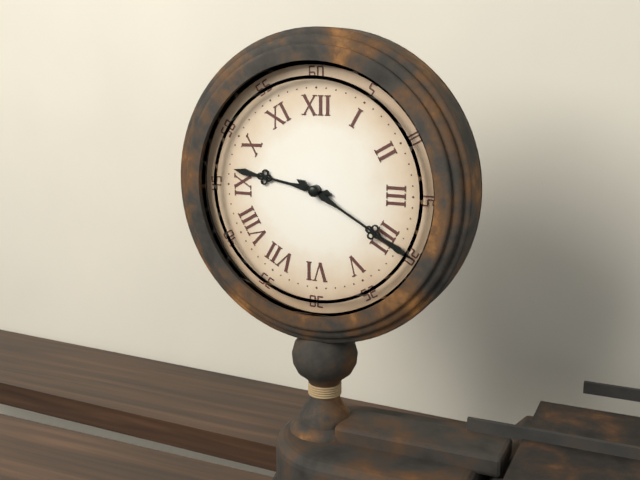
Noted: 9h20
